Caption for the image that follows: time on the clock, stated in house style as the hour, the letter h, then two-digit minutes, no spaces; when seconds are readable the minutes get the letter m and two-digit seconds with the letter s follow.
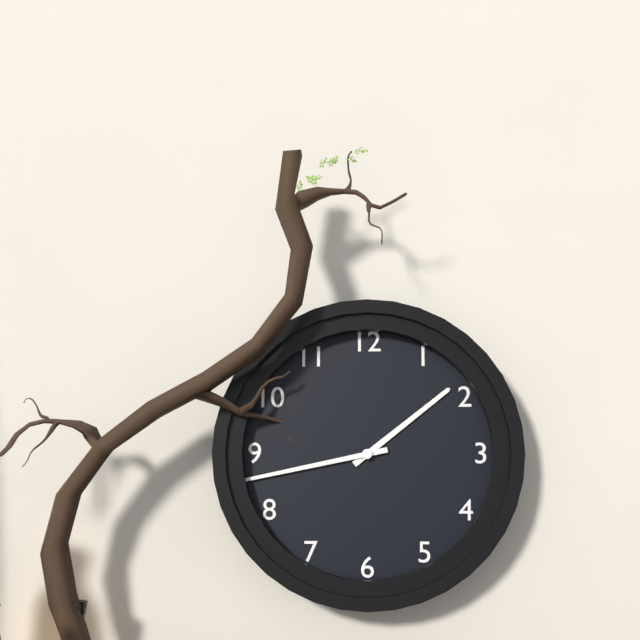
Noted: 1h43
